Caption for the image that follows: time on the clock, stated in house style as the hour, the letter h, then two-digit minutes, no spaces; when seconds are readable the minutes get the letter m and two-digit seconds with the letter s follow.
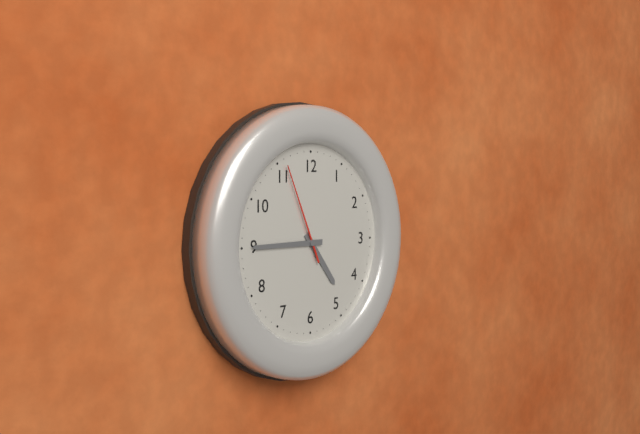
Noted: 4h45m56s
